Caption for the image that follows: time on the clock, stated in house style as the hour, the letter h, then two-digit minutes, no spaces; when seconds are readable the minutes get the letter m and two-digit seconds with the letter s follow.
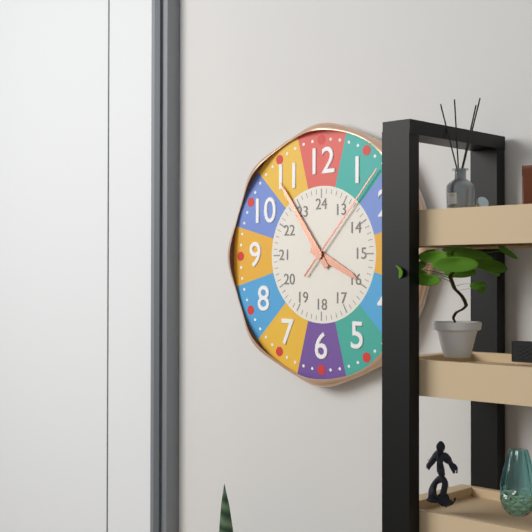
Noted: 3h54m07s
